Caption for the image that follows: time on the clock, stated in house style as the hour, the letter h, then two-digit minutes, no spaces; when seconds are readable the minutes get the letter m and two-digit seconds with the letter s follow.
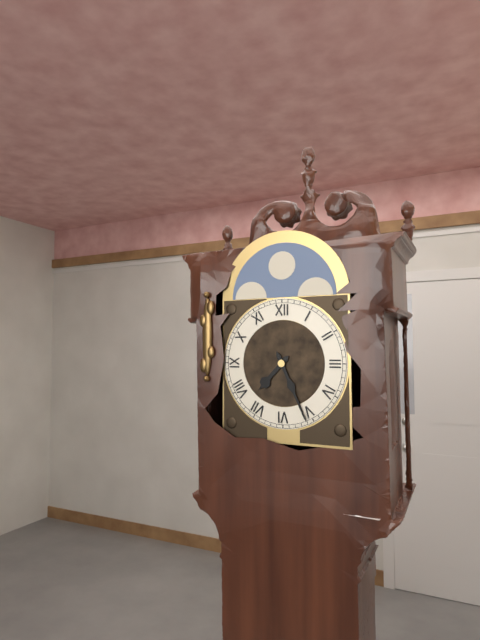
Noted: 7h26
